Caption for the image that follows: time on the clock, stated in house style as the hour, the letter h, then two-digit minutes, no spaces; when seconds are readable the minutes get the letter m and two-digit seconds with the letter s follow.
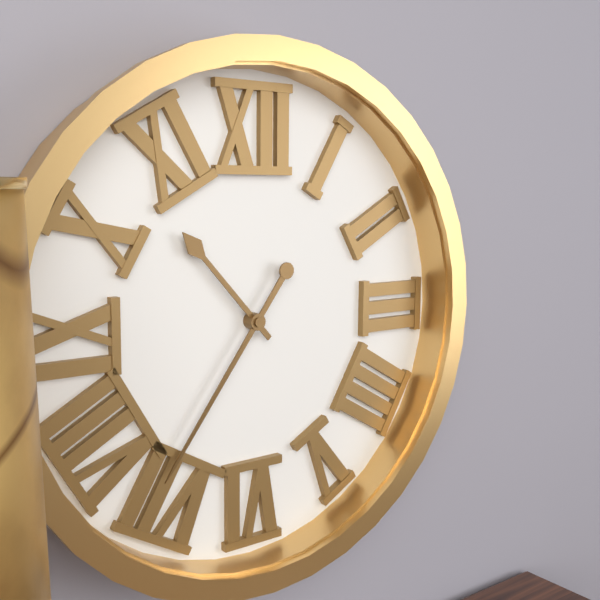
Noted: 10h36
